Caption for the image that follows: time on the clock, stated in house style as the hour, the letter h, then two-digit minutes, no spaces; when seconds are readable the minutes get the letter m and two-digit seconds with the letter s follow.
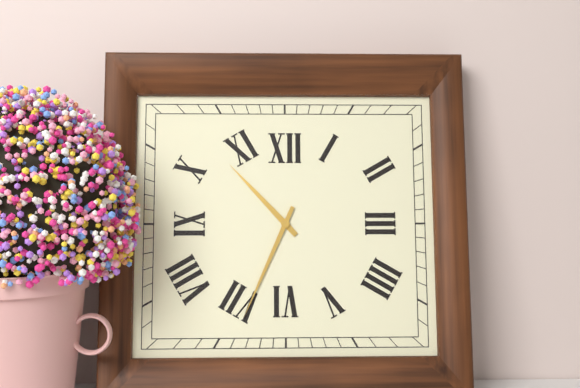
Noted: 10h34
